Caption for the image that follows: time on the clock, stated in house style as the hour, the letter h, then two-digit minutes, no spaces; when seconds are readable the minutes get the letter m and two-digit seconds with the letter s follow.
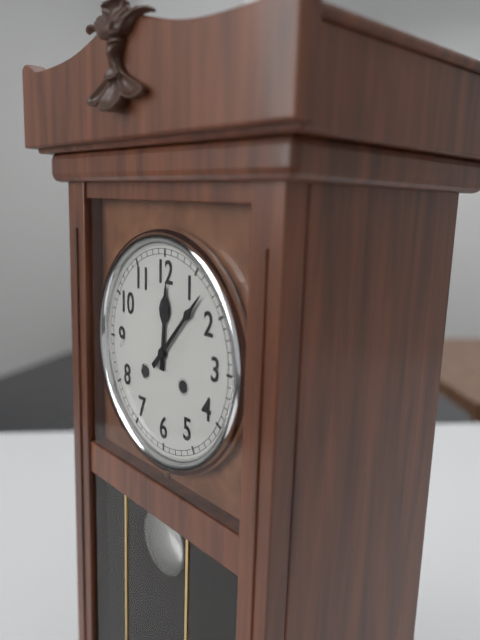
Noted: 12h07
